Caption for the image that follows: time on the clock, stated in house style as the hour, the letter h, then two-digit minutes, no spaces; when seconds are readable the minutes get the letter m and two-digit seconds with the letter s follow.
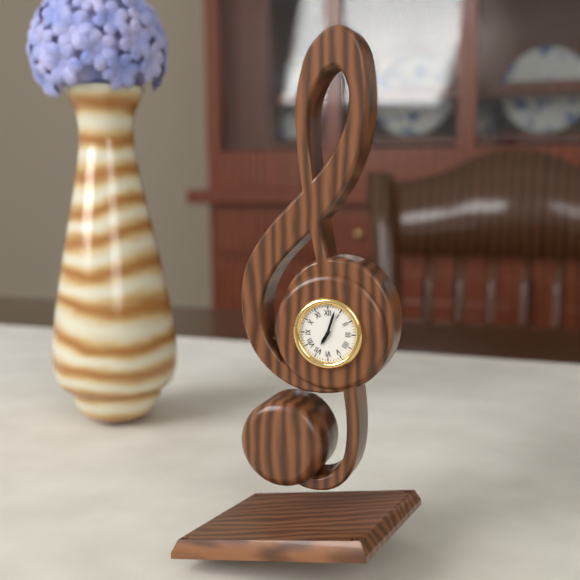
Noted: 7h03
